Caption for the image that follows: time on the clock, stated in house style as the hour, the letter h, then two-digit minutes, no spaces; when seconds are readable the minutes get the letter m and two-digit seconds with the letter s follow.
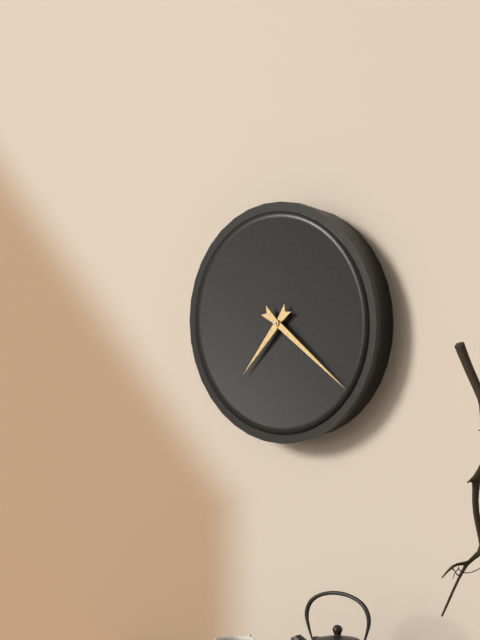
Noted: 7h21
